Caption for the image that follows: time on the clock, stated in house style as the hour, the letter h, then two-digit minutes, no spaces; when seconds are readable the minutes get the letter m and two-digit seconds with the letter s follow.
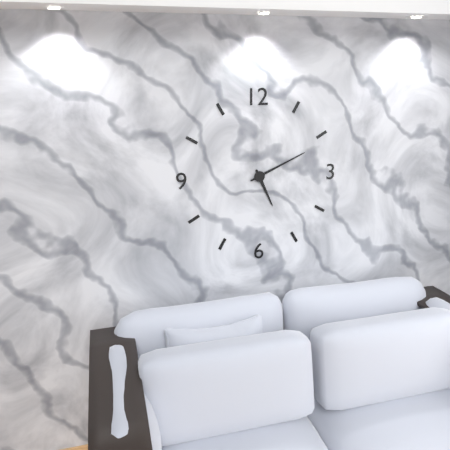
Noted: 5h11
